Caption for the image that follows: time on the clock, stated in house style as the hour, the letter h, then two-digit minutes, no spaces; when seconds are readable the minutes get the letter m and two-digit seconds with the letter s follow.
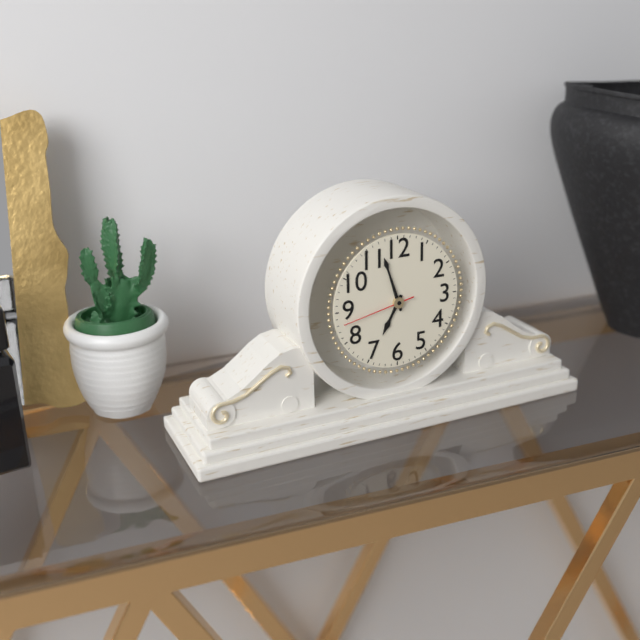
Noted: 6h57m43s
